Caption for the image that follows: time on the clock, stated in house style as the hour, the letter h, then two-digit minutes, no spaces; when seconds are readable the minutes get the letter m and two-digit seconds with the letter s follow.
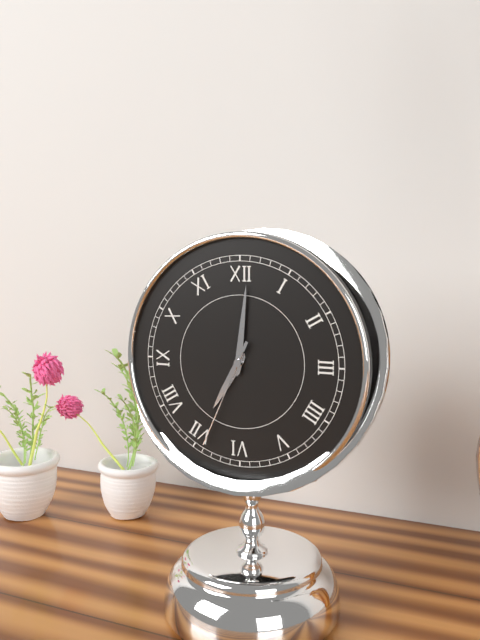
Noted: 7h01m34s
